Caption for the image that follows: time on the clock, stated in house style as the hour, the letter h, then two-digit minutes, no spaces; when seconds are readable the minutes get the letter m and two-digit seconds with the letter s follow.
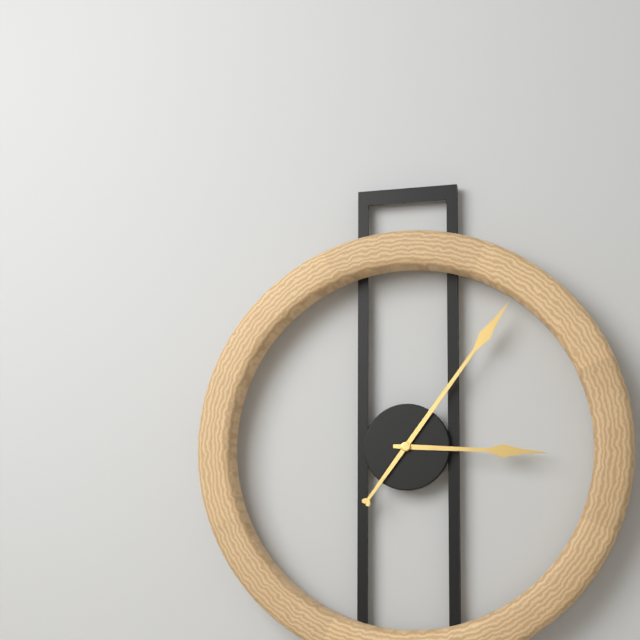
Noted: 3h06
